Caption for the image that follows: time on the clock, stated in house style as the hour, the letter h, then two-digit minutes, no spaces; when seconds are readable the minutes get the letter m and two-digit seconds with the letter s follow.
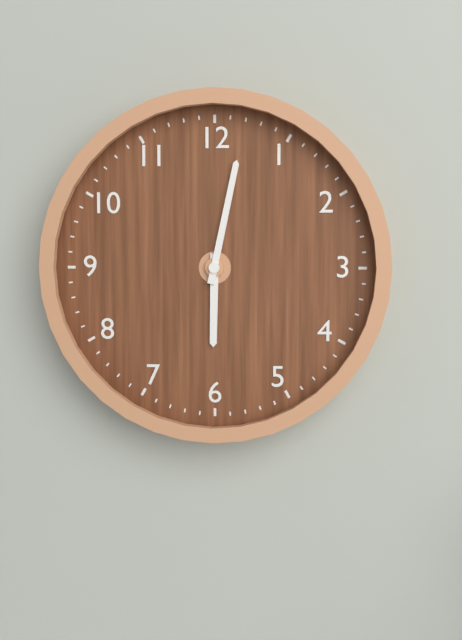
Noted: 6h02
